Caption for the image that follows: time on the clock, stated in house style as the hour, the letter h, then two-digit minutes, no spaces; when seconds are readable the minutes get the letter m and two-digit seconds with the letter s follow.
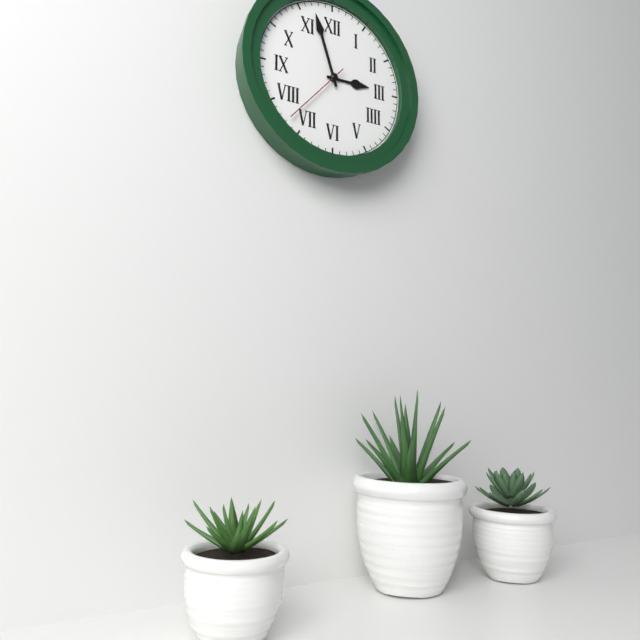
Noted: 2h57m37s
